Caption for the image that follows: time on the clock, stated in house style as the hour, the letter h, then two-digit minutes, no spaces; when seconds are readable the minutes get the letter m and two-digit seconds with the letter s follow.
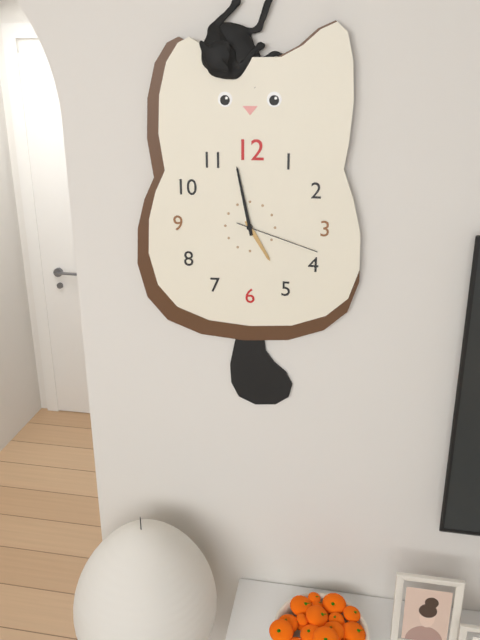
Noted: 4h58m18s
